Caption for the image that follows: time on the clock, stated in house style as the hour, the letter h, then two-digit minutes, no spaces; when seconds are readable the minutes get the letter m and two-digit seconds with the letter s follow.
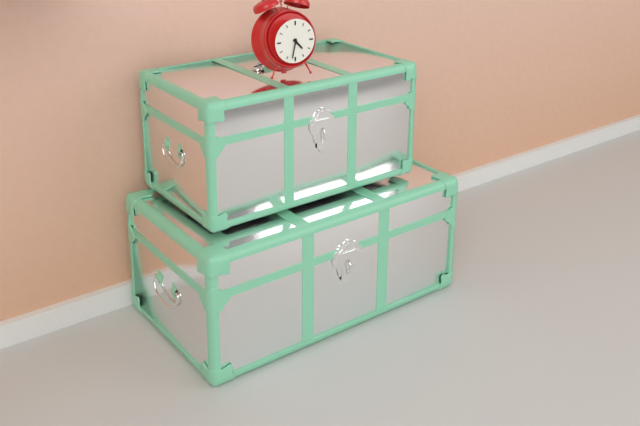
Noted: 4h32
